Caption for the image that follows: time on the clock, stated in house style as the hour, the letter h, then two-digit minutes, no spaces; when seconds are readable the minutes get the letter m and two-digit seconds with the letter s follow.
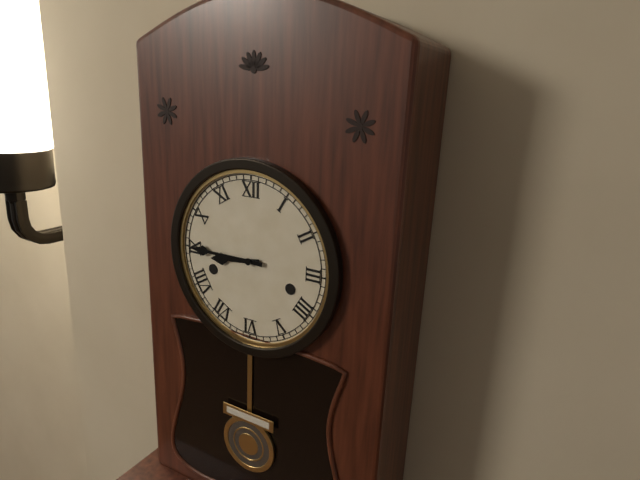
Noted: 8h45
